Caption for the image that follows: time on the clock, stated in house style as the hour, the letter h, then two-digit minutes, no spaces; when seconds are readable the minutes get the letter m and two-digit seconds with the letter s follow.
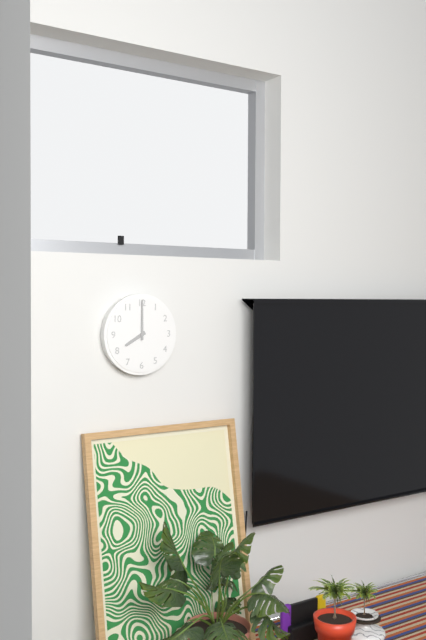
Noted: 8h00
